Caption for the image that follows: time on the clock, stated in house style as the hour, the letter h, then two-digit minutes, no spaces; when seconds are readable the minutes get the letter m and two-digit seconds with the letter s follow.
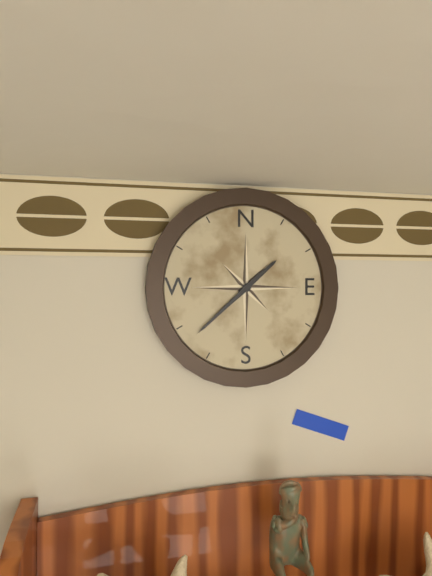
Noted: 1h38
